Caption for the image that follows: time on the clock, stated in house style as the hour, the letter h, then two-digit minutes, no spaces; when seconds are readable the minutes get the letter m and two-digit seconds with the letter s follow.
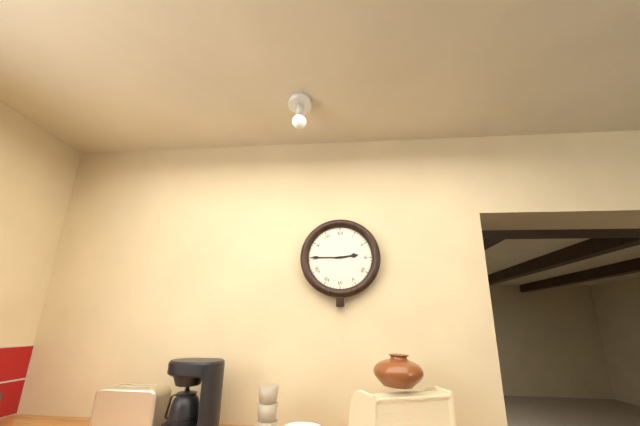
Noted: 2h45
